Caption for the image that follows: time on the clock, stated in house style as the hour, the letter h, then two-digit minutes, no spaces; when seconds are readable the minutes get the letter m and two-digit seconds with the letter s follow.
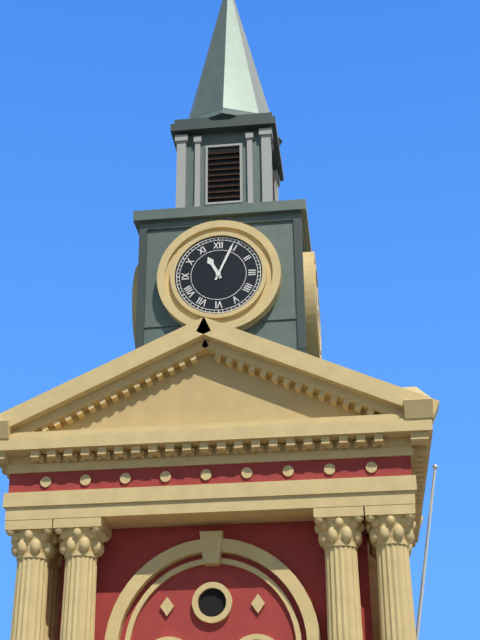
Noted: 11h04
